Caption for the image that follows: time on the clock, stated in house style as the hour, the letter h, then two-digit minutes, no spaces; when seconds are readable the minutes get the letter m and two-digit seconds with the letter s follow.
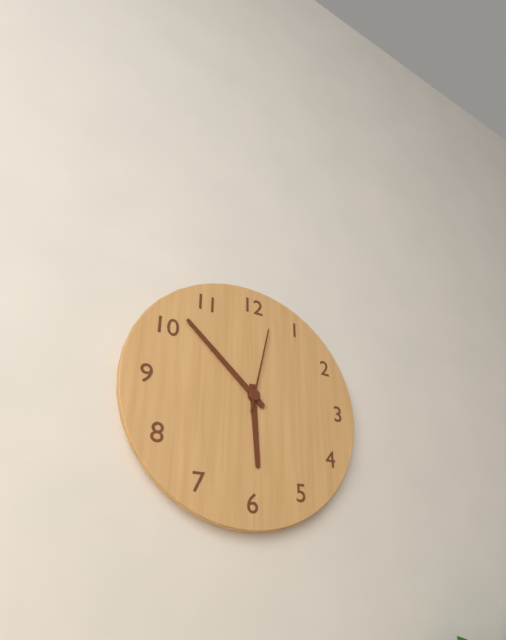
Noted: 5h52m02s
